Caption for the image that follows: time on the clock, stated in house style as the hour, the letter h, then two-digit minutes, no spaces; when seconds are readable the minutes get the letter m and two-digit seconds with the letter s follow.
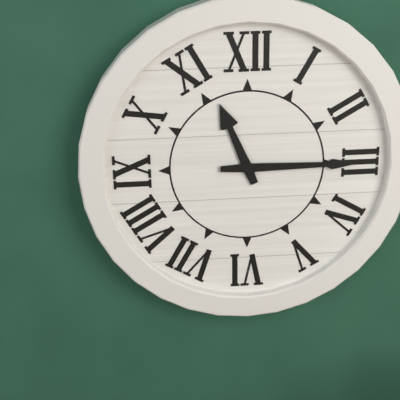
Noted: 11h15
